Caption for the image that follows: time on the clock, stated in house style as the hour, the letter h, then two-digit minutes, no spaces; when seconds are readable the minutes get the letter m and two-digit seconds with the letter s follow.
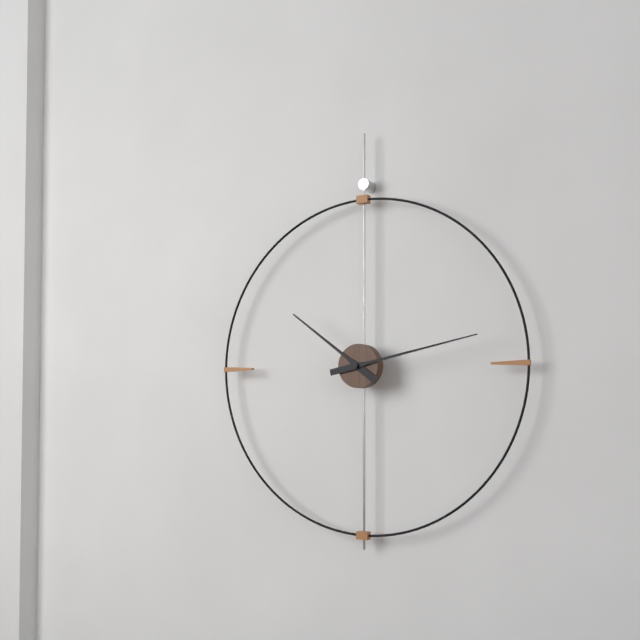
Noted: 10h13
